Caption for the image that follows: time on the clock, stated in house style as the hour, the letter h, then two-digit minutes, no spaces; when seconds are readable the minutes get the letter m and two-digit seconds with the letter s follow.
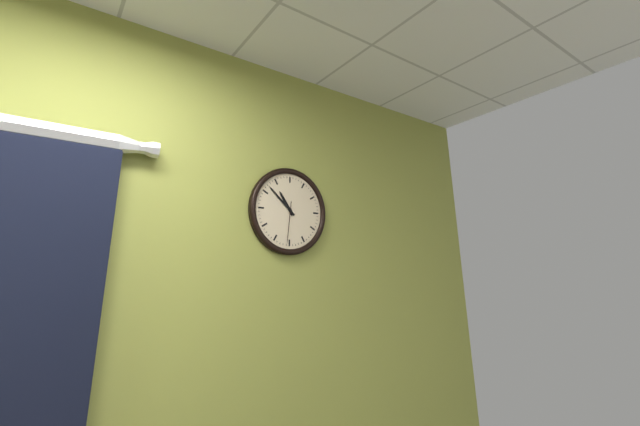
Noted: 10h52
